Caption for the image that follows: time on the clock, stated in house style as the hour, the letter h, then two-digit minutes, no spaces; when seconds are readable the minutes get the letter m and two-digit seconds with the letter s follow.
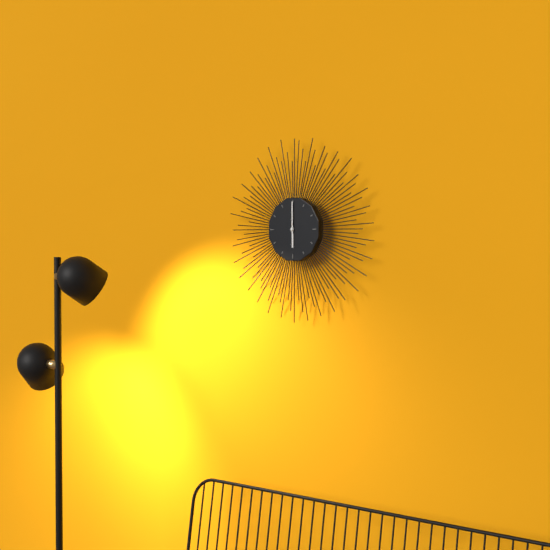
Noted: 6h00
